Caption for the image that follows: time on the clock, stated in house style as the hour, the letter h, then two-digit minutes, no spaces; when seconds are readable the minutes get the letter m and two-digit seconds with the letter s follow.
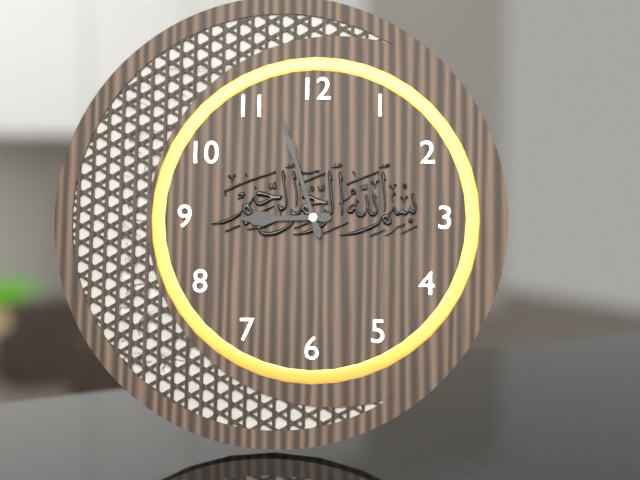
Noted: 8h57
